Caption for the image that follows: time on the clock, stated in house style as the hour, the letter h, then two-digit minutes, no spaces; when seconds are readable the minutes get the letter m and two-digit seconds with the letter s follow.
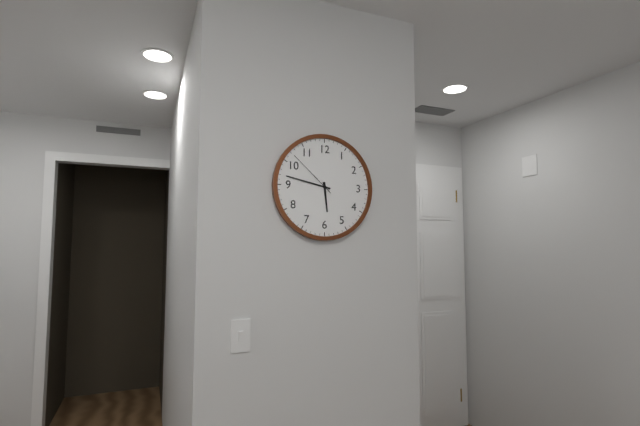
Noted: 5h47m52s
